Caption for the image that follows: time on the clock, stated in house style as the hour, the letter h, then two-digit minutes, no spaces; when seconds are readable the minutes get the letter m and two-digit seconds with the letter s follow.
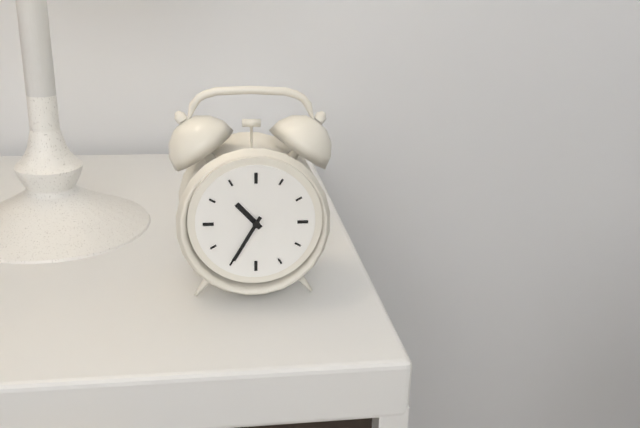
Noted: 10h35
